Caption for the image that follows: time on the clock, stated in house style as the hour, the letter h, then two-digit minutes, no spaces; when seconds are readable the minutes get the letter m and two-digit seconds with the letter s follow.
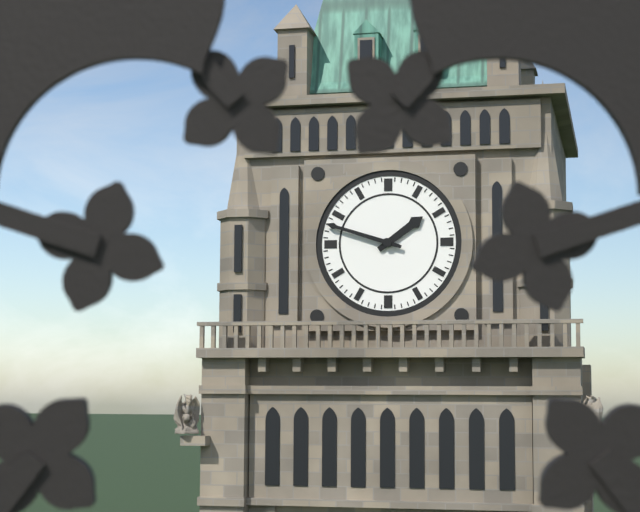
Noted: 1h48
